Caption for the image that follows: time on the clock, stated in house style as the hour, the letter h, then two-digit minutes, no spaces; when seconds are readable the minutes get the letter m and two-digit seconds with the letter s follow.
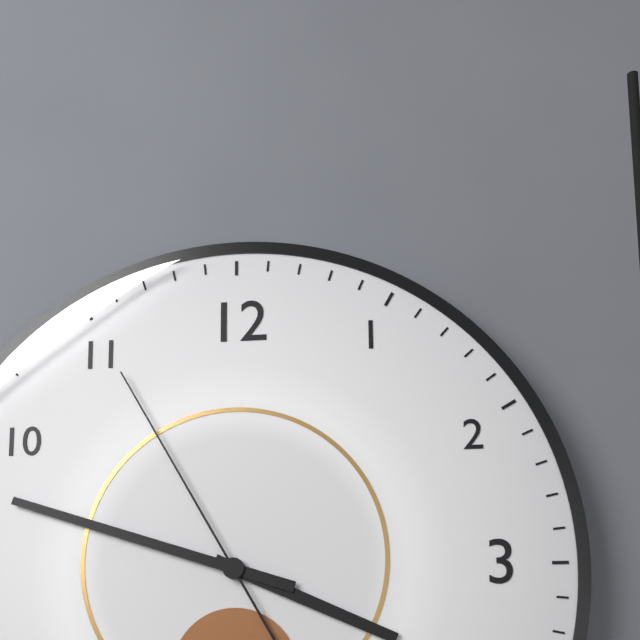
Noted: 3h48m55s
